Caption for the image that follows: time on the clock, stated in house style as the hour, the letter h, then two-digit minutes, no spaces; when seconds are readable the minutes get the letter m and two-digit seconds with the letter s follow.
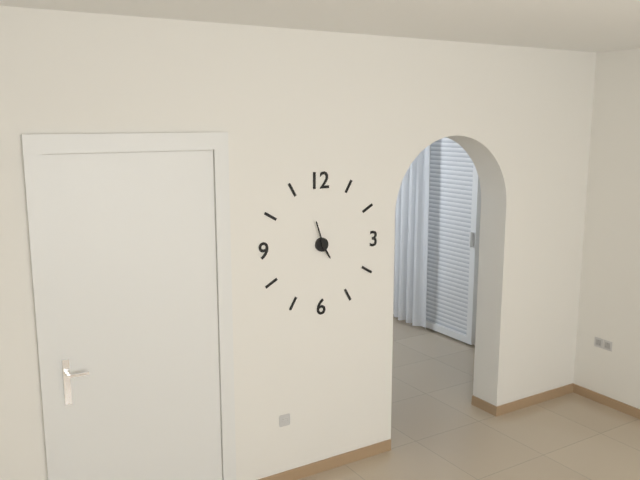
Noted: 4h57
